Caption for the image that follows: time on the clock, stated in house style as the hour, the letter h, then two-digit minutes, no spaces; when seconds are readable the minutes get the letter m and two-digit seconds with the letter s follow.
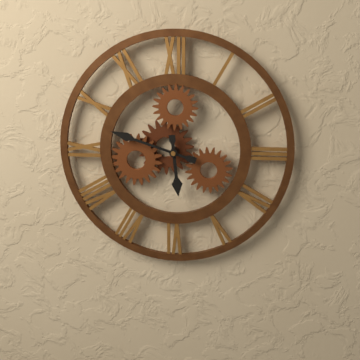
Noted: 5h48
